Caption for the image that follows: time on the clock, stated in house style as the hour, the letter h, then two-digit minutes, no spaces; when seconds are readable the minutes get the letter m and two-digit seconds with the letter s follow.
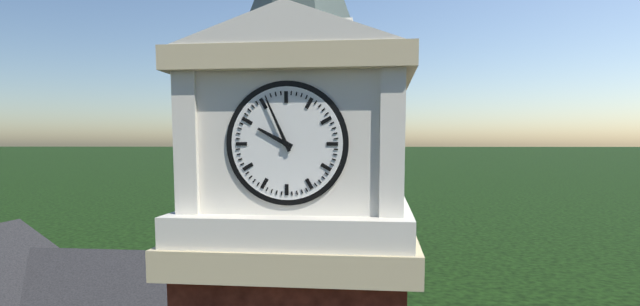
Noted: 9h56
